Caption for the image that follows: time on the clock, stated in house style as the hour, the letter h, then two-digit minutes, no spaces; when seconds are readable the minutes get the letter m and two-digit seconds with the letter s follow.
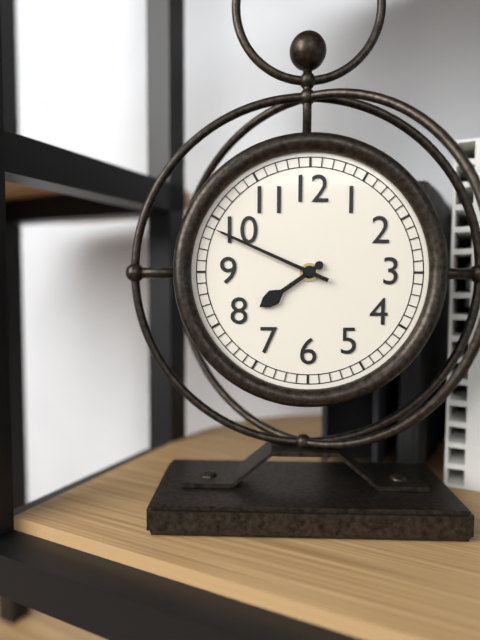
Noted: 7h49
